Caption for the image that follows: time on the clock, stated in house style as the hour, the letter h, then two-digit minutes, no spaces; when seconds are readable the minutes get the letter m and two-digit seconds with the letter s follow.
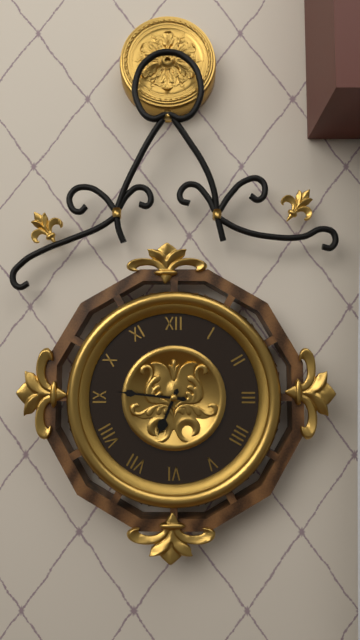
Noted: 6h46
